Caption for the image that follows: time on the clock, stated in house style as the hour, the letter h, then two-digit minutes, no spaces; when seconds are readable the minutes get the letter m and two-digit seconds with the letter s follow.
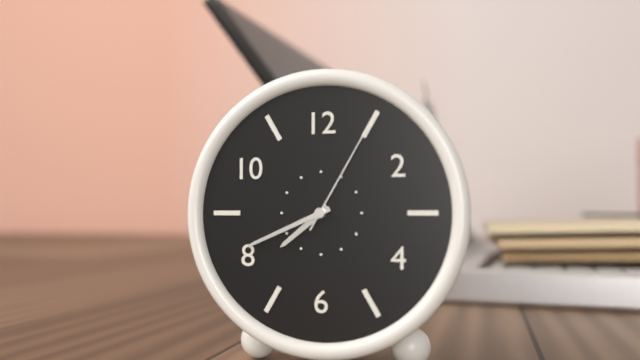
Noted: 7h41m05s
